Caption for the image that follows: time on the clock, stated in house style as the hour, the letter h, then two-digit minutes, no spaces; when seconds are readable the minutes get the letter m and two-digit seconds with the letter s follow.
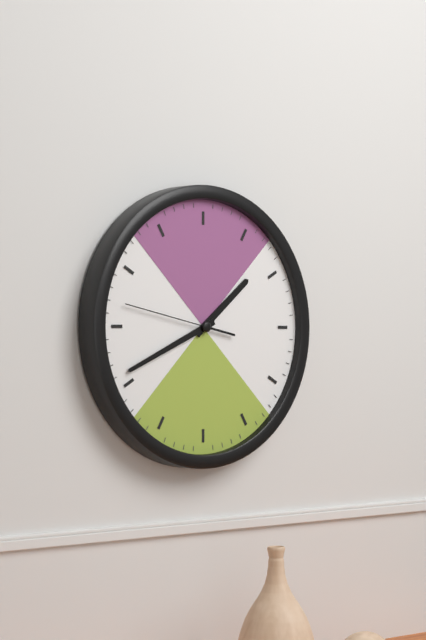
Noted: 1h41m47s
